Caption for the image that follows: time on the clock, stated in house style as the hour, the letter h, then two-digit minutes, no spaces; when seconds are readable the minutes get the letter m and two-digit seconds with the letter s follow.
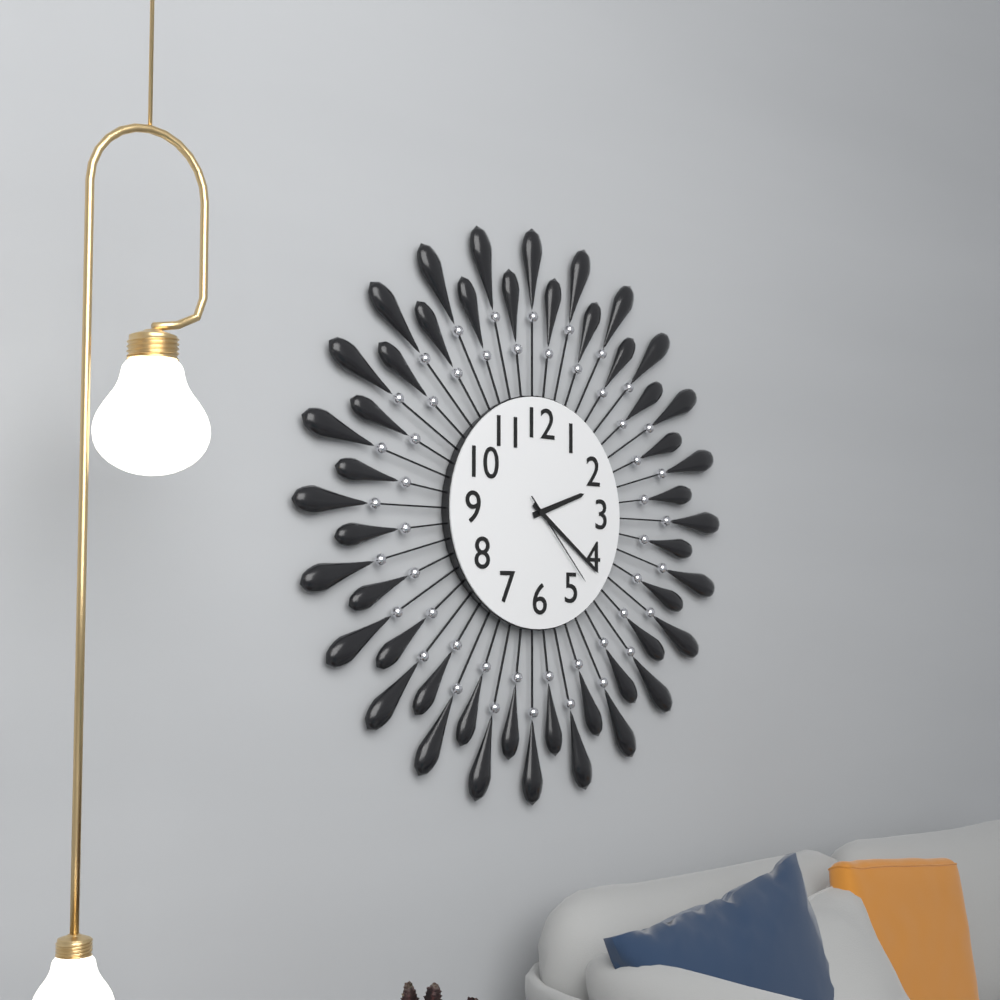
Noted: 2h21m23s
